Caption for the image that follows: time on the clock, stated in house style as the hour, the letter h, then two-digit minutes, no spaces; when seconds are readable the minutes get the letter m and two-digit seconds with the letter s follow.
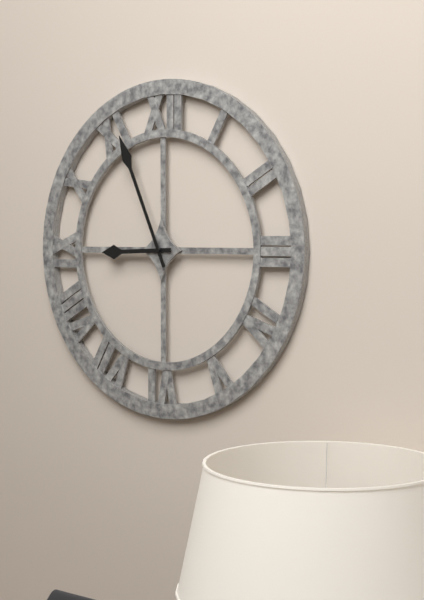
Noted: 8h56
